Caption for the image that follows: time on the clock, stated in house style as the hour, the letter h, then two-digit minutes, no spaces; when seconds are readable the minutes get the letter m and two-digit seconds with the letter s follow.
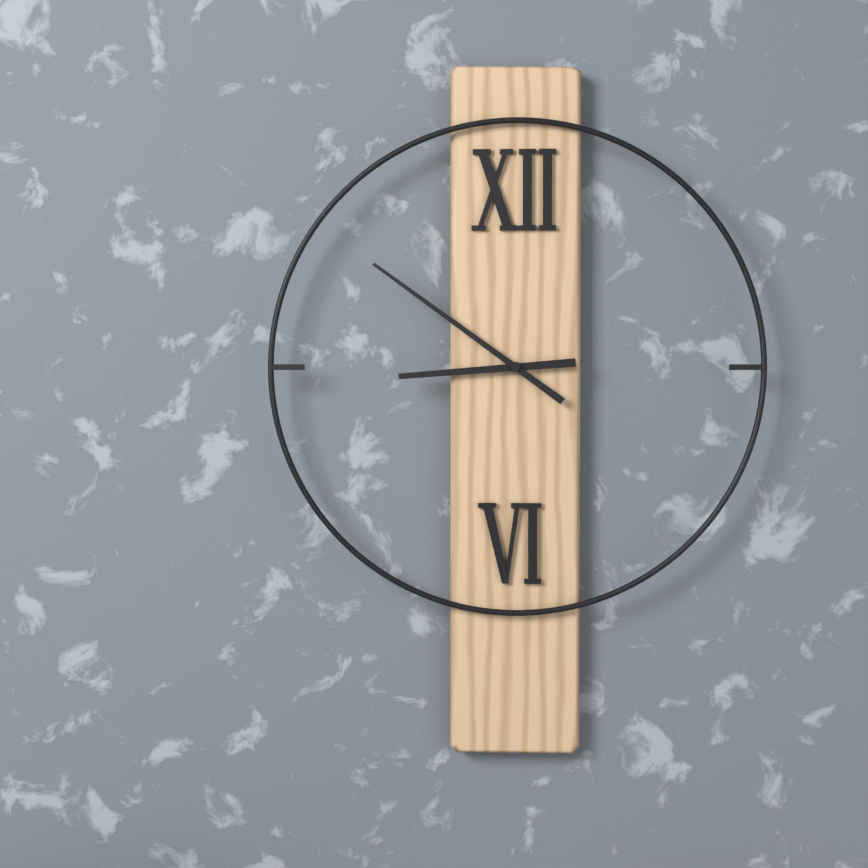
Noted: 8h51
